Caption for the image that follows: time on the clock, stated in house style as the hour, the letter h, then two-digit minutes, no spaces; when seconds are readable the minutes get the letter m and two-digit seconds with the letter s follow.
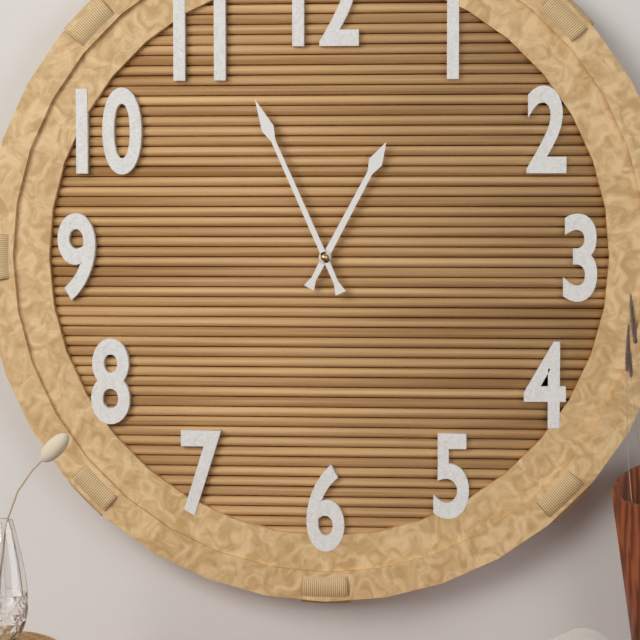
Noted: 12h56
